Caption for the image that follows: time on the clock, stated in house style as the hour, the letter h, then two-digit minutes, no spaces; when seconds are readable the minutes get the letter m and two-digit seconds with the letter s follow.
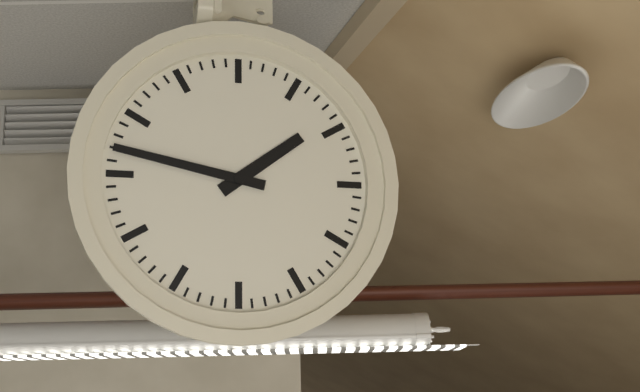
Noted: 1h47
